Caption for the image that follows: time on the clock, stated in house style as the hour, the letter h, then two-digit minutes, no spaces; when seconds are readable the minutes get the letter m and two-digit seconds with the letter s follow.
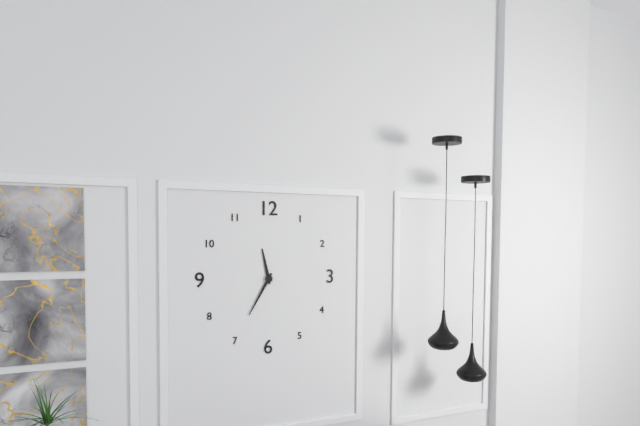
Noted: 11h35
